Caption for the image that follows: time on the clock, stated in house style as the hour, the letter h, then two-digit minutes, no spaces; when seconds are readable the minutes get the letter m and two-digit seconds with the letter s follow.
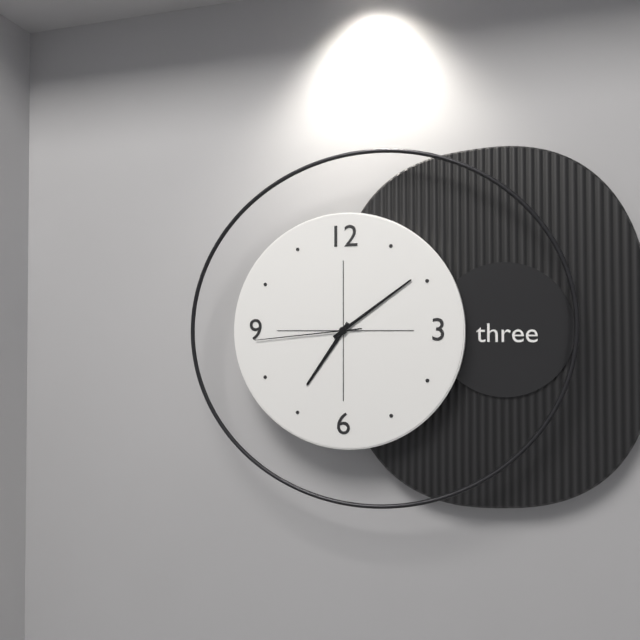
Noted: 7h09m44s
